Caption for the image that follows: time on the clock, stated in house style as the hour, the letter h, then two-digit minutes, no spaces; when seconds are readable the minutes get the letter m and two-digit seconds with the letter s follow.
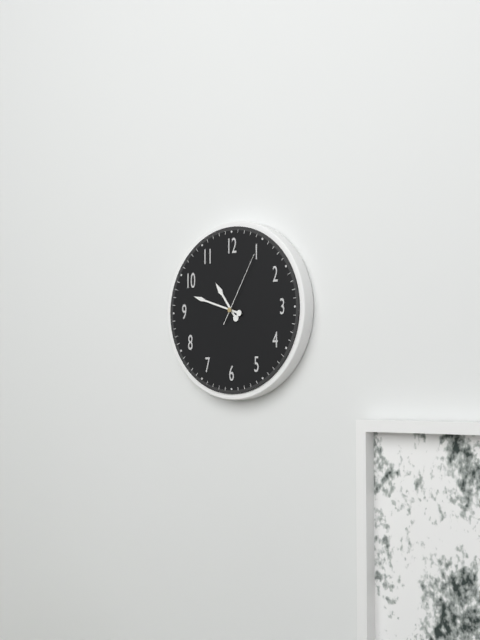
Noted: 10h48m05s
